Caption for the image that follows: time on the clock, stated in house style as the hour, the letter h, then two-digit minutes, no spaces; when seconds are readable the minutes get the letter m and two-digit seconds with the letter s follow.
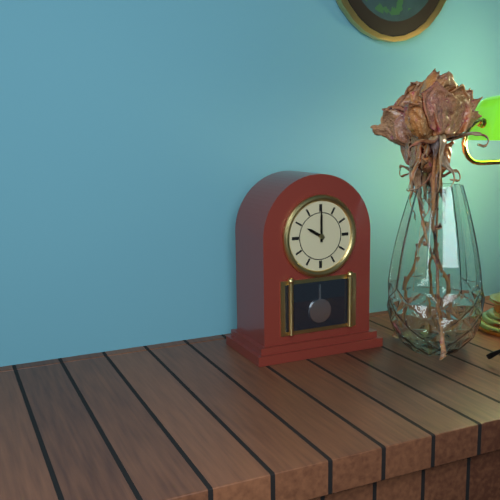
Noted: 10h00
